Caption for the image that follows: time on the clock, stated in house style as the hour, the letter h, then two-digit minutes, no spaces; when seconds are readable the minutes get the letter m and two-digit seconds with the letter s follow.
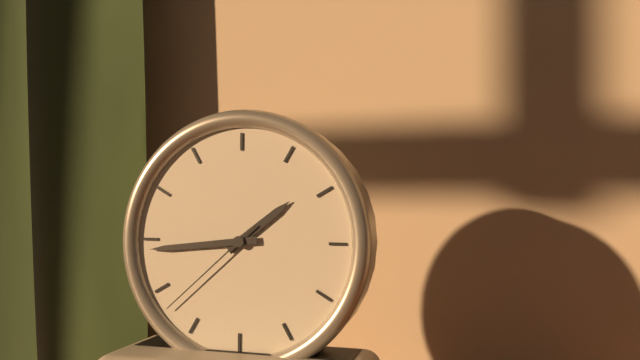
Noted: 1h44m38s
